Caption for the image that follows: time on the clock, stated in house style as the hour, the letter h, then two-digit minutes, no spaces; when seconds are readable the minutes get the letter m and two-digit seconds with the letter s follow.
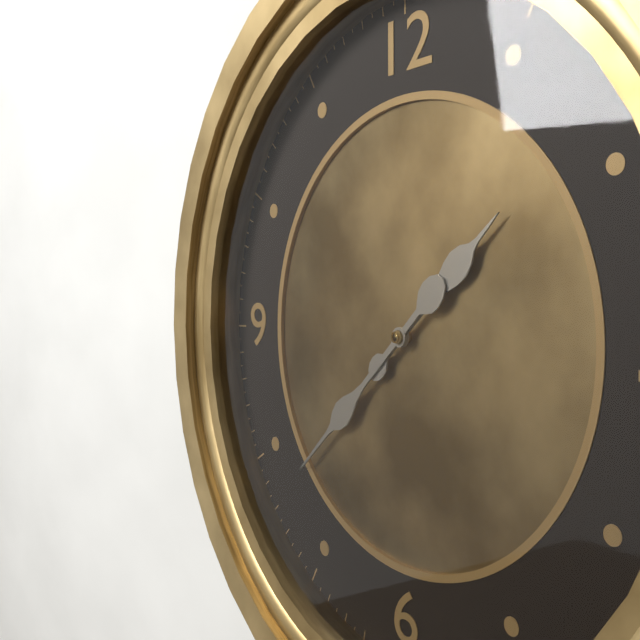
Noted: 1h38
